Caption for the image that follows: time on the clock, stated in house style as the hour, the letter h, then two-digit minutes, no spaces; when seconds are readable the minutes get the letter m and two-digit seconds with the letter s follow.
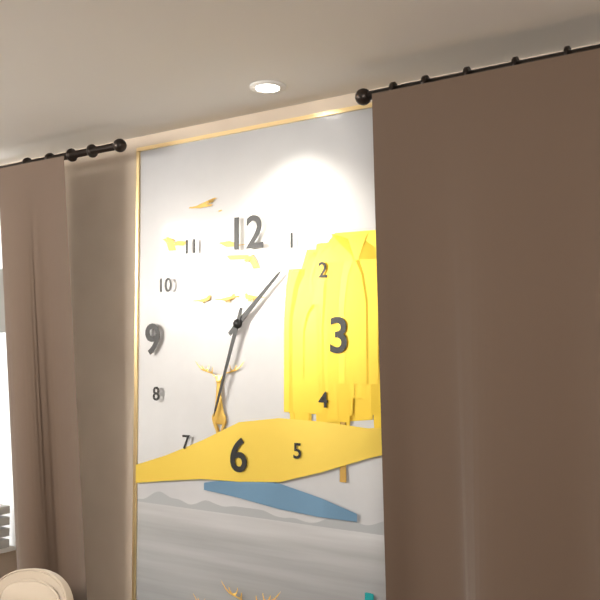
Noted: 1h33
